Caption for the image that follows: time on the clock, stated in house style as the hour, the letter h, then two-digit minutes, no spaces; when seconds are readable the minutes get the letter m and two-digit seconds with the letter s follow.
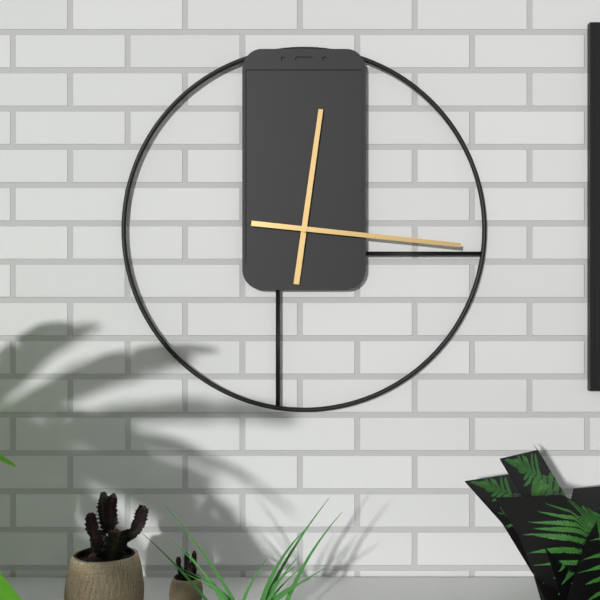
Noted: 12h16
